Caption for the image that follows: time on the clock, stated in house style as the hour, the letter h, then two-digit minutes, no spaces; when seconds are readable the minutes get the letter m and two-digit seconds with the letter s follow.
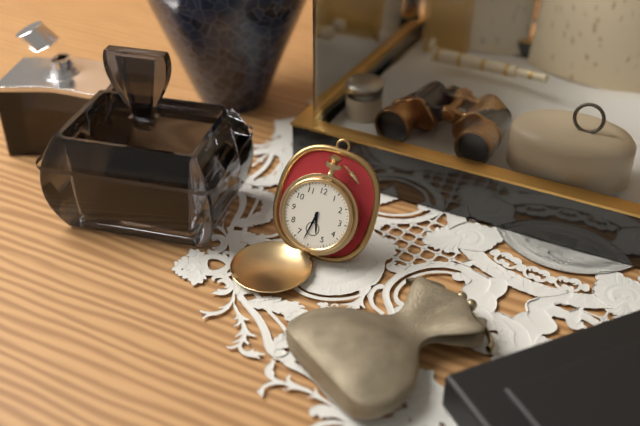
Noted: 5h32
